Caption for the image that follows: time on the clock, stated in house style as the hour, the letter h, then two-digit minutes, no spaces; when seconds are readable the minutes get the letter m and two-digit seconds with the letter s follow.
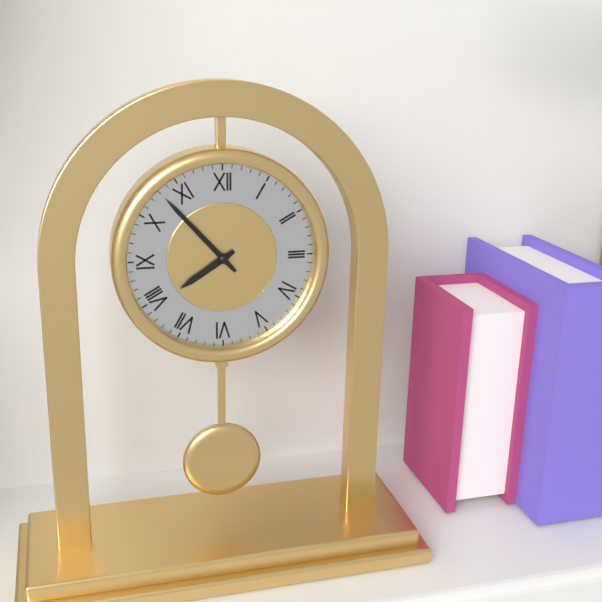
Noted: 7h53
